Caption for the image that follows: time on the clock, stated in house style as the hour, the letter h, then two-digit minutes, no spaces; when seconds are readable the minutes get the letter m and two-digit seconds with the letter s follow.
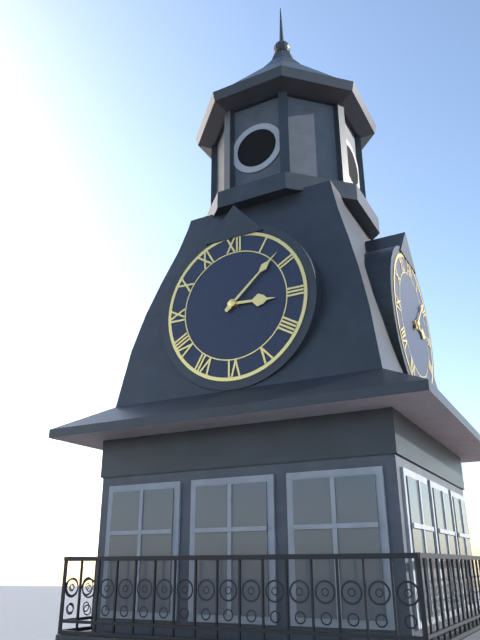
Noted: 3h08
